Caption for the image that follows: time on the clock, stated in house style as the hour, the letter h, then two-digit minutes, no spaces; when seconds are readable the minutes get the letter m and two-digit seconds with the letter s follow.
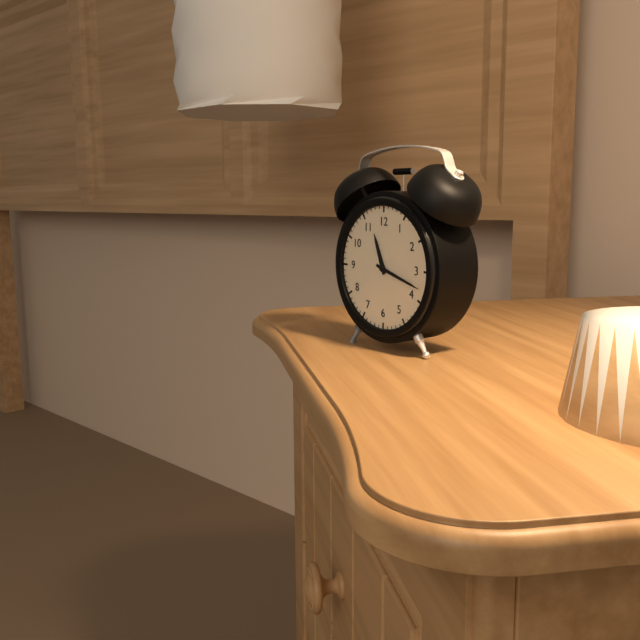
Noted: 11h18
